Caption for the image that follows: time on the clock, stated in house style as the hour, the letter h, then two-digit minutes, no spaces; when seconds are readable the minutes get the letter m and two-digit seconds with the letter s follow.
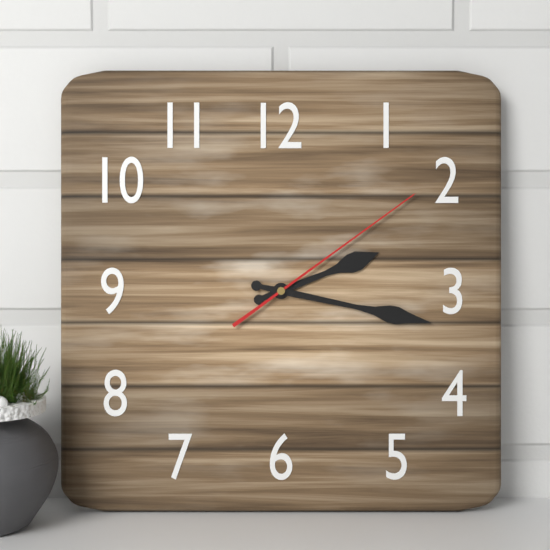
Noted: 2h17m09s
